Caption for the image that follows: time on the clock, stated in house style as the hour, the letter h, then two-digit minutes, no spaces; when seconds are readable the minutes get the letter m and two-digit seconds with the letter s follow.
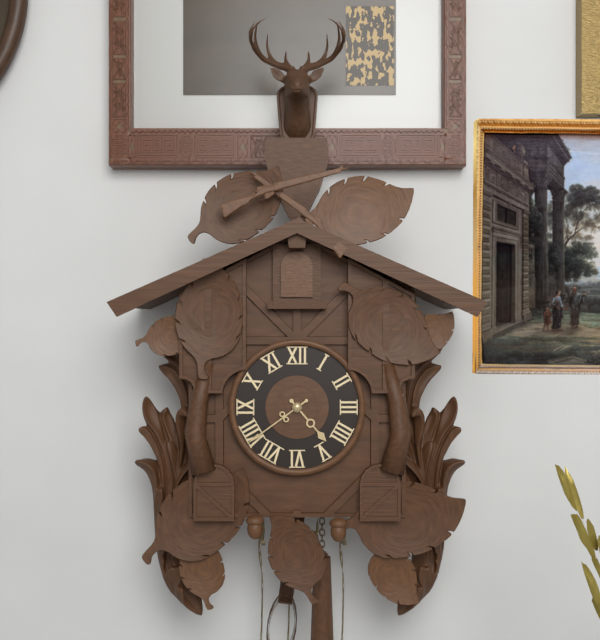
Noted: 4h39
